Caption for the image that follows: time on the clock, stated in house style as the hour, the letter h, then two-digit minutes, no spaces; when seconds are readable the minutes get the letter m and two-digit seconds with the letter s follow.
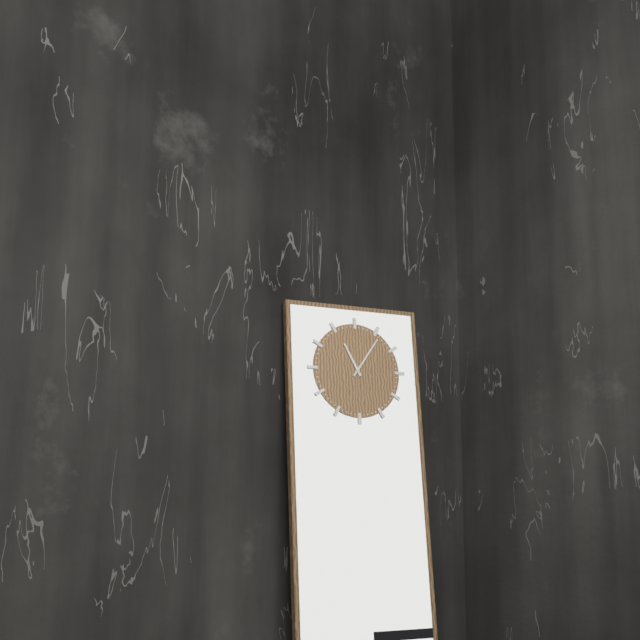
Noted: 11h06
